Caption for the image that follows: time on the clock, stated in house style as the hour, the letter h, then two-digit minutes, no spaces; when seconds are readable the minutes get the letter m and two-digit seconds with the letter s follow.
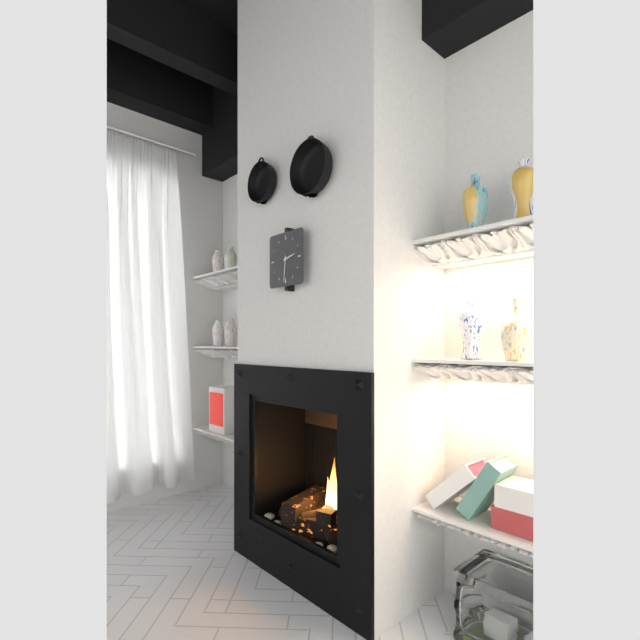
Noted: 2h31
